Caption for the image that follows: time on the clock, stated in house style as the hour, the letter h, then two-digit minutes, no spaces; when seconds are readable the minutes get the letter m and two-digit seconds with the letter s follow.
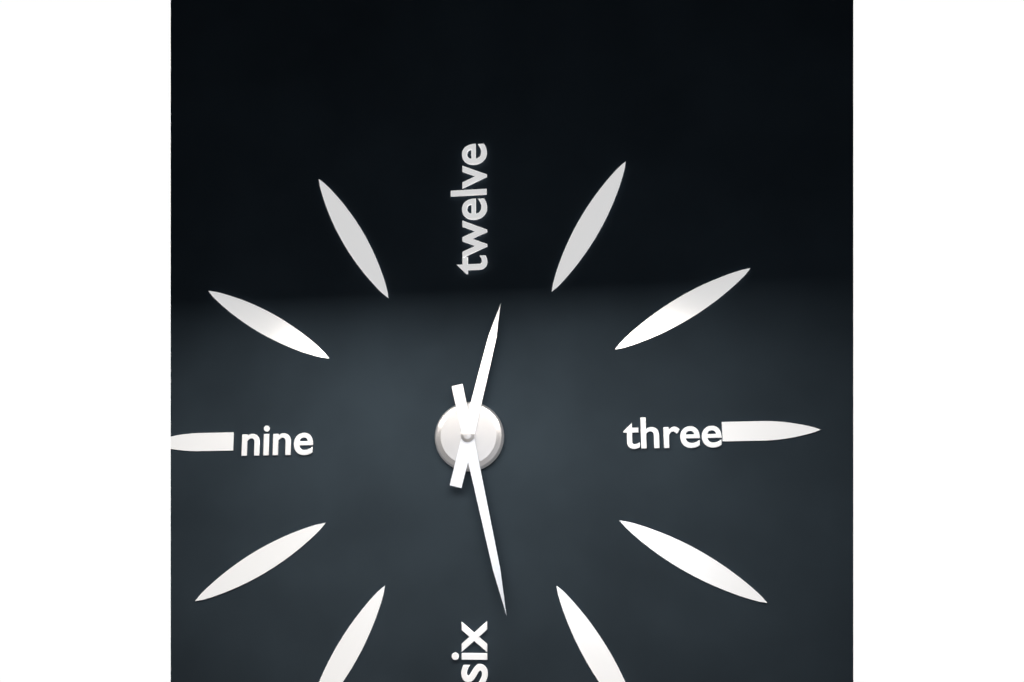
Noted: 12h28
